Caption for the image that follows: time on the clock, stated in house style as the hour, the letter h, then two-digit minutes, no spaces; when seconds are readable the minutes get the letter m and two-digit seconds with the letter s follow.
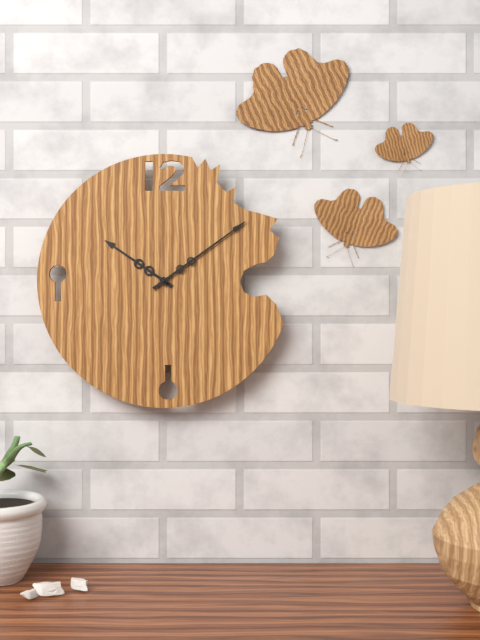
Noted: 10h09
